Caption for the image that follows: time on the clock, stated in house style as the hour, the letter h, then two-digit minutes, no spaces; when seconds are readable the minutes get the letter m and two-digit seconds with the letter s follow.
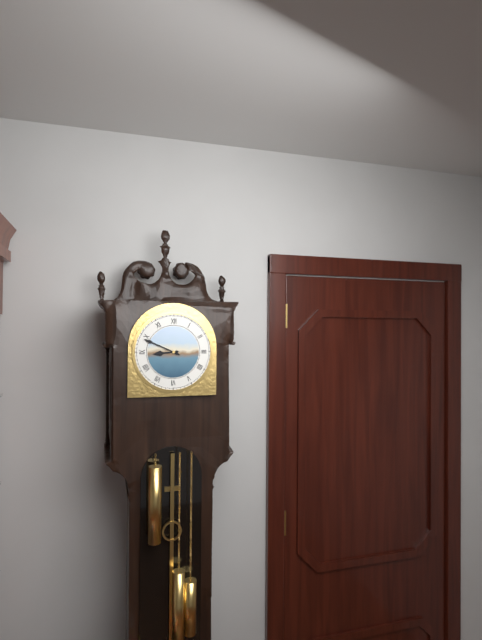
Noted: 8h49
